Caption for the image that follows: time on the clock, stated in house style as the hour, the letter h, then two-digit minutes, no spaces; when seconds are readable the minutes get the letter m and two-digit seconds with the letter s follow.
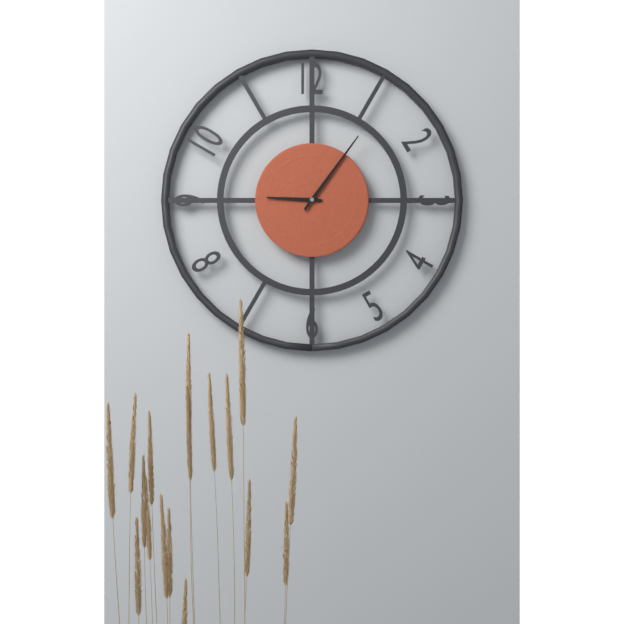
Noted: 9h06
